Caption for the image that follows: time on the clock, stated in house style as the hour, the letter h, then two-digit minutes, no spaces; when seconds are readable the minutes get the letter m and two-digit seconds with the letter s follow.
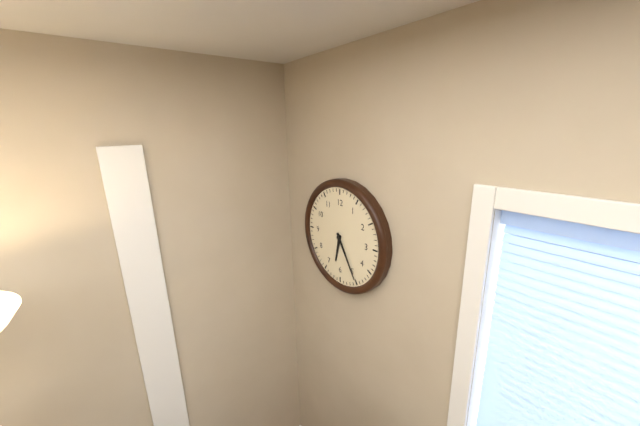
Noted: 6h25
